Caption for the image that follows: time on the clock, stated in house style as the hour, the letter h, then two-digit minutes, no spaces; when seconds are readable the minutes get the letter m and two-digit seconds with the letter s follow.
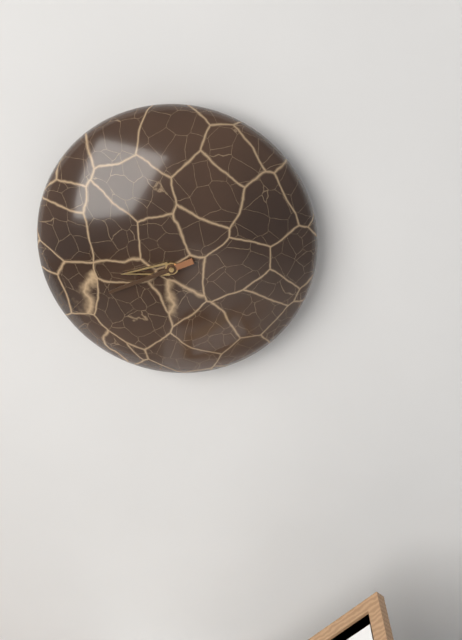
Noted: 8h41
